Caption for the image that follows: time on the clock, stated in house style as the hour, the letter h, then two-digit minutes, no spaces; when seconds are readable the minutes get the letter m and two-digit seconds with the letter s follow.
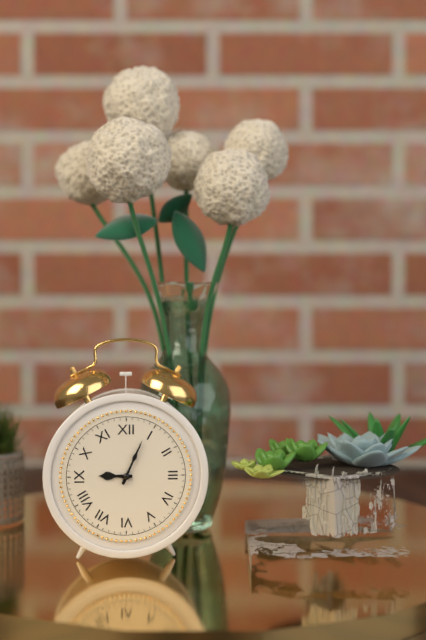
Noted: 9h04
